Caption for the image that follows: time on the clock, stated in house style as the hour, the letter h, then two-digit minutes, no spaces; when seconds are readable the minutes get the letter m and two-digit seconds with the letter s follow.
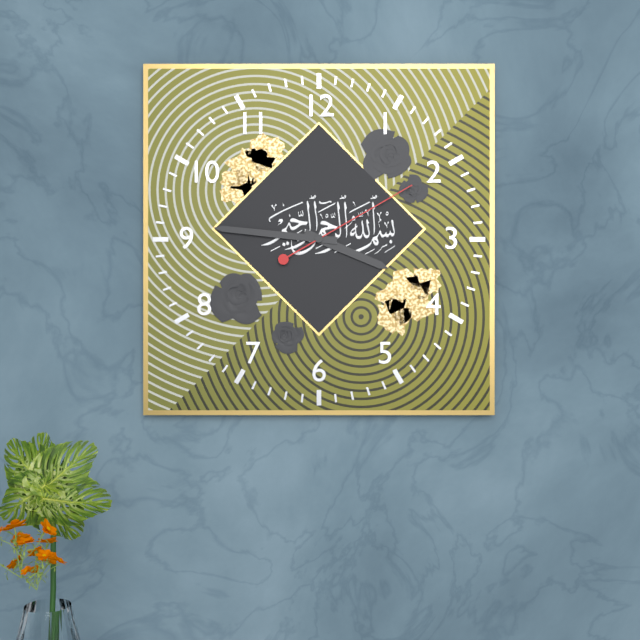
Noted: 3h46m10s
